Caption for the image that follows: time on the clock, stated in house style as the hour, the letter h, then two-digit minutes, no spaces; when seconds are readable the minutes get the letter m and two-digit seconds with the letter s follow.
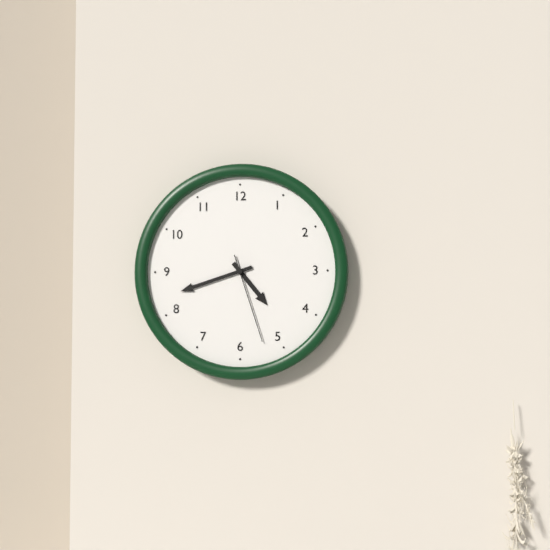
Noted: 4h42m27s
